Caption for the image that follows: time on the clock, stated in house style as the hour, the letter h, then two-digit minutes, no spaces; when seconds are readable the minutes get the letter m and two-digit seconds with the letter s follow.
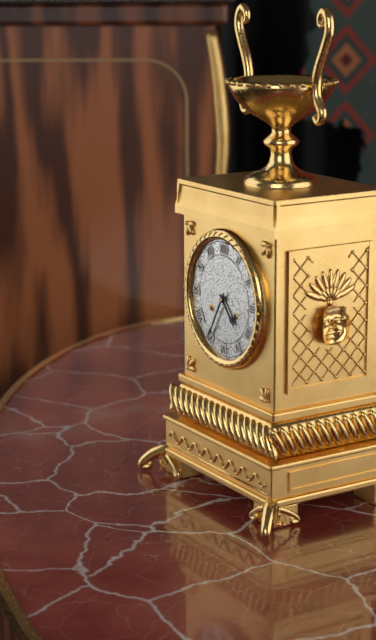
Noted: 4h35
